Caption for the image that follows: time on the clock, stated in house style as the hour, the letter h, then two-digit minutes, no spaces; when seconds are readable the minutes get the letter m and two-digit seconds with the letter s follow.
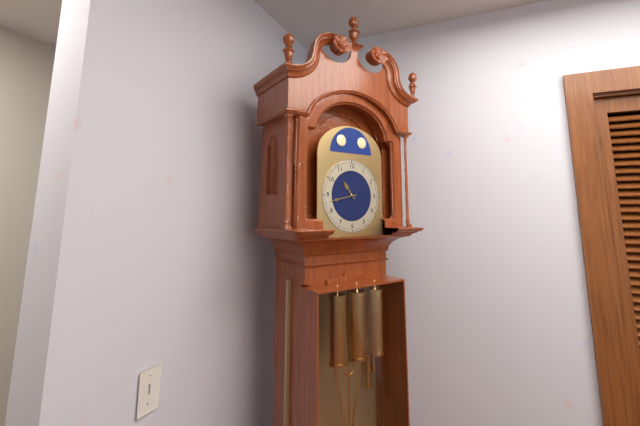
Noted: 10h43
